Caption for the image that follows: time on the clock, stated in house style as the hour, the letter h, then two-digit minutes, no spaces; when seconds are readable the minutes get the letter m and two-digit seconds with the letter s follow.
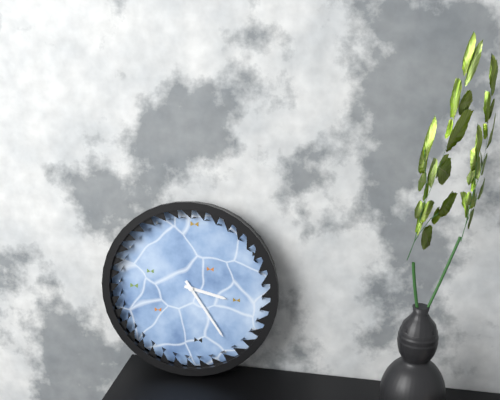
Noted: 3h24
